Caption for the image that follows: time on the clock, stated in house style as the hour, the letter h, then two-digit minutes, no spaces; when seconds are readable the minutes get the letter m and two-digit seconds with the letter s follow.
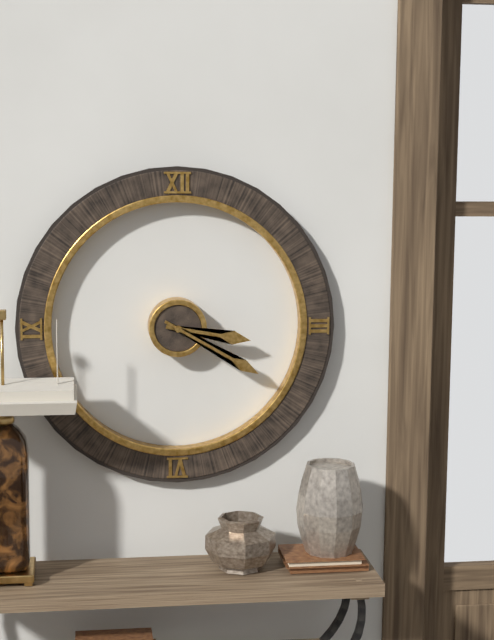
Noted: 3h20
